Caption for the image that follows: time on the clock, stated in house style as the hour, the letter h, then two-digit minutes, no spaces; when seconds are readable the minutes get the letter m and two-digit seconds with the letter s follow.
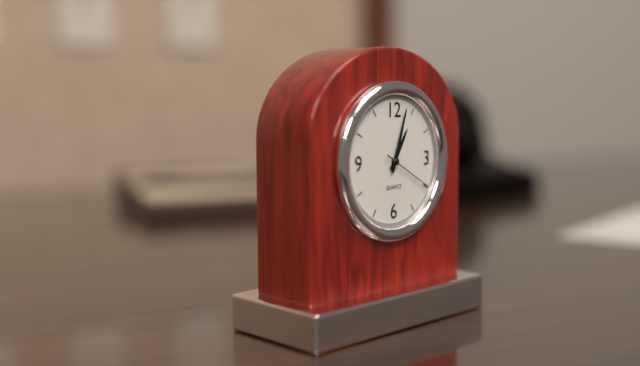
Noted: 1h03m20s
